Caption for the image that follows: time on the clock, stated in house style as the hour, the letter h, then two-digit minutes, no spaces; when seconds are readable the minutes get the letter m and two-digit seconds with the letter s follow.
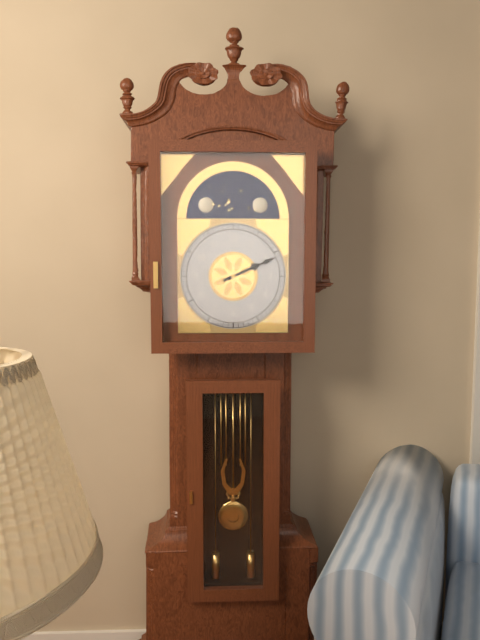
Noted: 2h11
